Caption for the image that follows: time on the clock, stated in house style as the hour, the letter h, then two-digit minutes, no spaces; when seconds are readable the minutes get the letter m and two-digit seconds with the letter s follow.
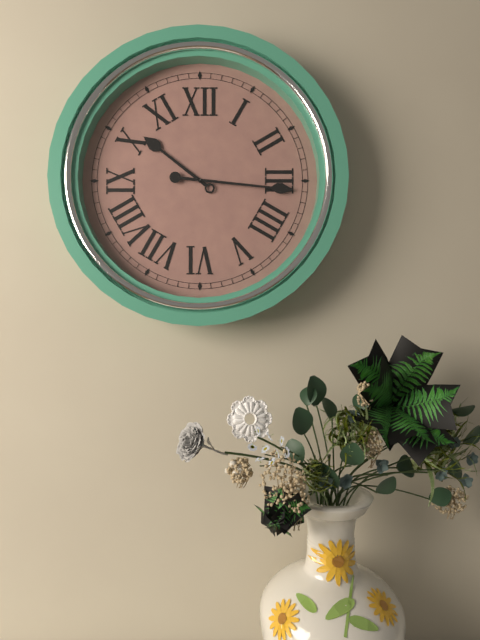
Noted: 10h16
